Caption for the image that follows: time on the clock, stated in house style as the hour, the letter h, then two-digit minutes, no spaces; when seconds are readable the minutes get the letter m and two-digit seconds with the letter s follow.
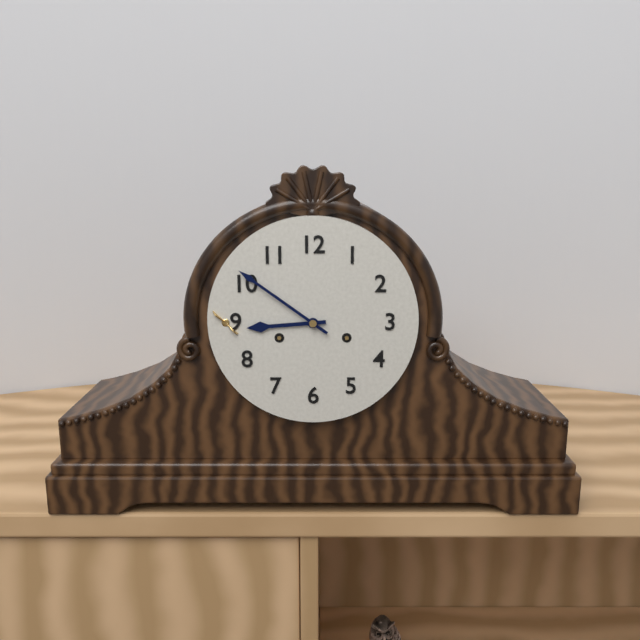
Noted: 8h51
